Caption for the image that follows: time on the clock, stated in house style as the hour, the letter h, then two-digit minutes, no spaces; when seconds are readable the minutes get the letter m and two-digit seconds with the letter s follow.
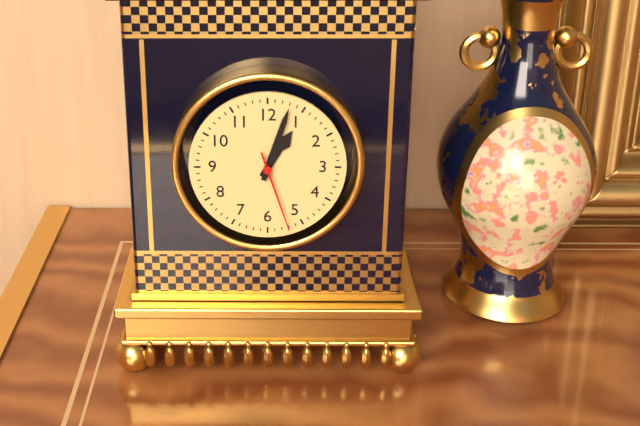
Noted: 1h03m27s
